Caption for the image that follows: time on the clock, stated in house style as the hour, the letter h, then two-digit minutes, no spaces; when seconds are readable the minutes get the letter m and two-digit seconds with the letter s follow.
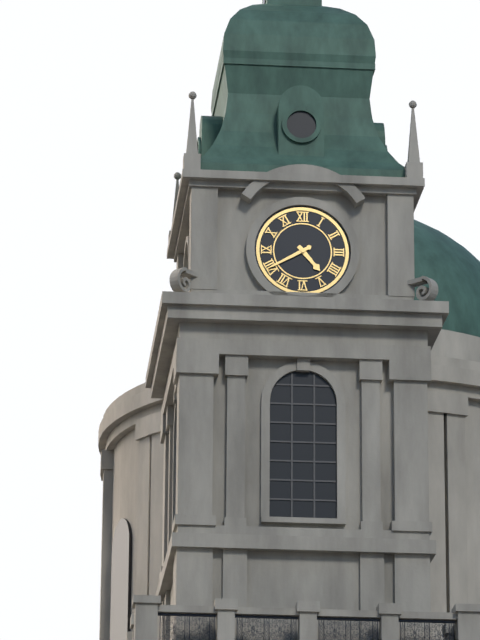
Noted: 4h40
